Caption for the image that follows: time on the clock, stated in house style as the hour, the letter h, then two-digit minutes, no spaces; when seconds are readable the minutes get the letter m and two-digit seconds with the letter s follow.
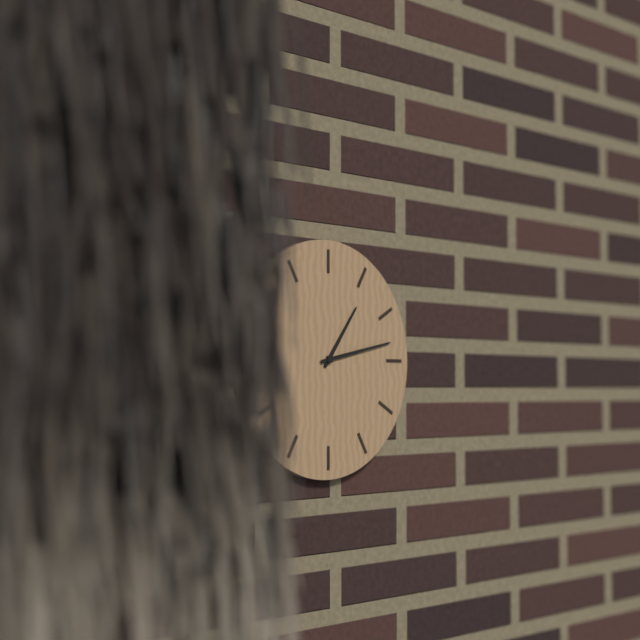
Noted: 1h13
